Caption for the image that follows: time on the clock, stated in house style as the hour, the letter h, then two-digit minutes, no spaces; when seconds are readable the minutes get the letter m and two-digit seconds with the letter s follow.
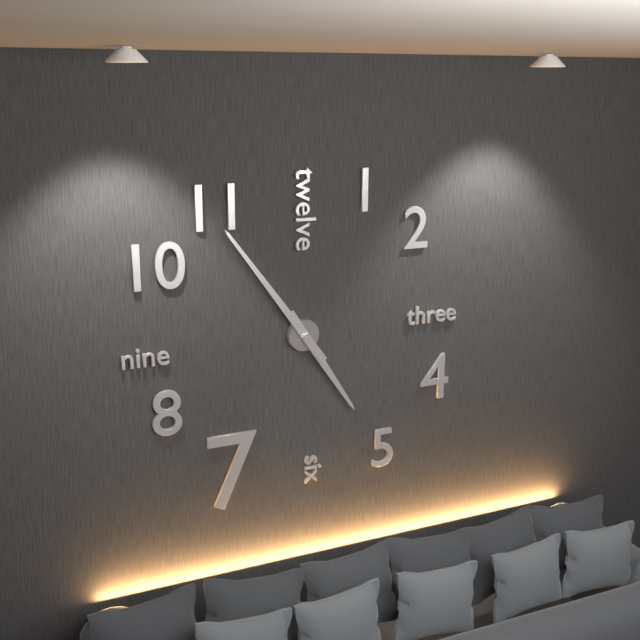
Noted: 4h54
